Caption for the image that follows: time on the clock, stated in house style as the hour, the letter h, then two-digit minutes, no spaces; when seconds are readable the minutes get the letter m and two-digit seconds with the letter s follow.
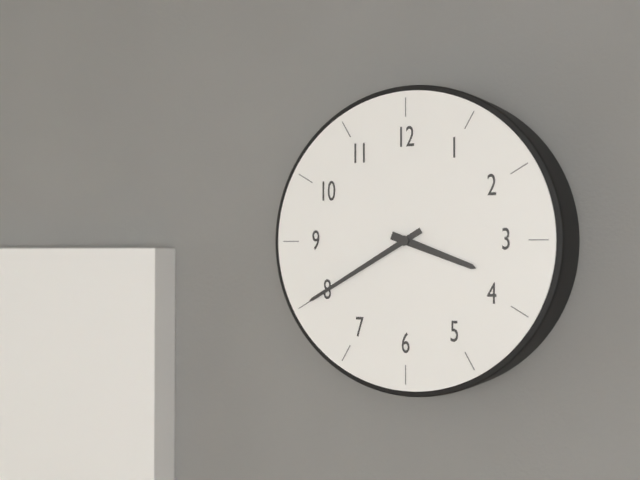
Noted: 3h40
